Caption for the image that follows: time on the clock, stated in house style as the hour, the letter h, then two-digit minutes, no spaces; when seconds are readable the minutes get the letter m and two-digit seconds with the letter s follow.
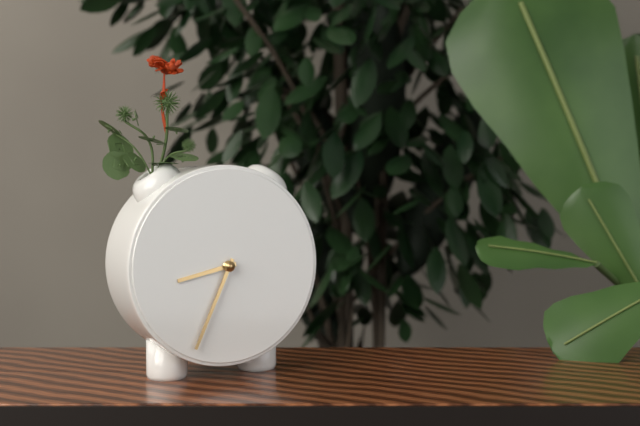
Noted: 8h34
